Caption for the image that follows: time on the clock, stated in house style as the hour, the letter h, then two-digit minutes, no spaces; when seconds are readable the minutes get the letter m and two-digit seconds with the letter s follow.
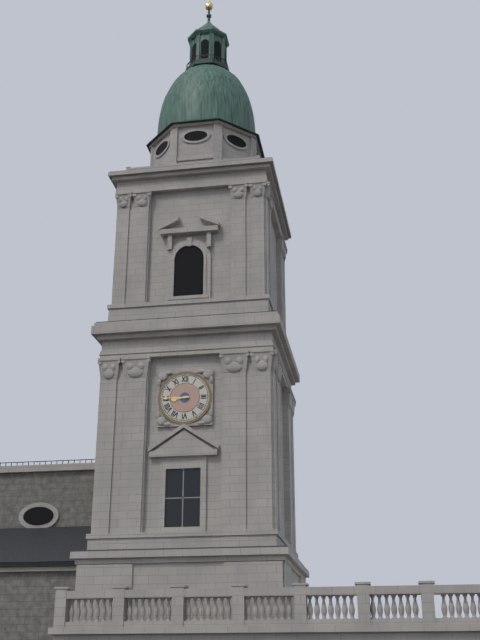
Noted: 8h45
